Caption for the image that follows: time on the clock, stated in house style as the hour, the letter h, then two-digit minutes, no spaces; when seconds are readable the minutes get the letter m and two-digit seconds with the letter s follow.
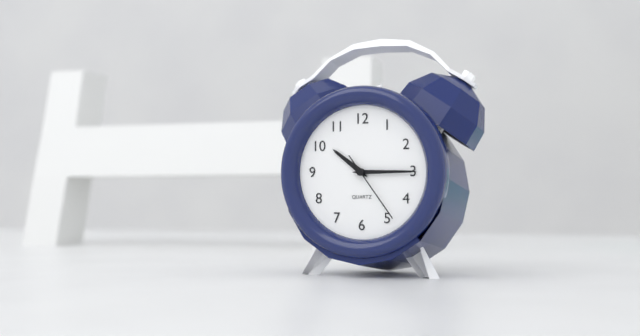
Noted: 10h15m24s
